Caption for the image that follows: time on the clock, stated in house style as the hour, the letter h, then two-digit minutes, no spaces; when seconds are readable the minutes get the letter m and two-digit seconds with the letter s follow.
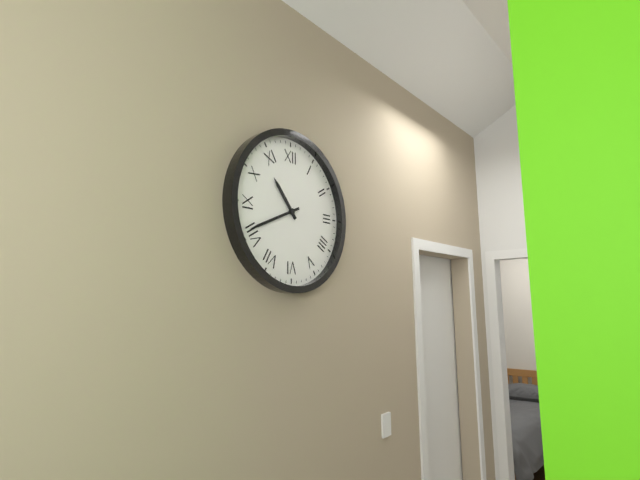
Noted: 10h41
